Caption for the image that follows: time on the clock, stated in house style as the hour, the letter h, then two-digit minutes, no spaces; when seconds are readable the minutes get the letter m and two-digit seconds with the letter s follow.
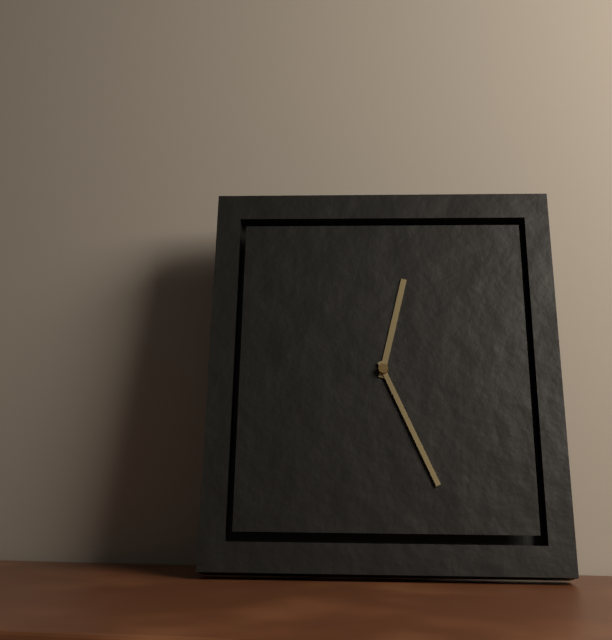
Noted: 12h26
